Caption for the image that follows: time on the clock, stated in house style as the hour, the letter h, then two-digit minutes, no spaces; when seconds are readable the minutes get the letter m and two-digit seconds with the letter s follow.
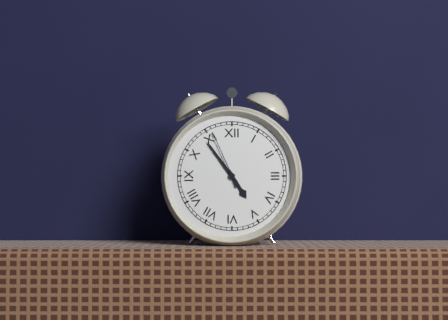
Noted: 4h54m56s
